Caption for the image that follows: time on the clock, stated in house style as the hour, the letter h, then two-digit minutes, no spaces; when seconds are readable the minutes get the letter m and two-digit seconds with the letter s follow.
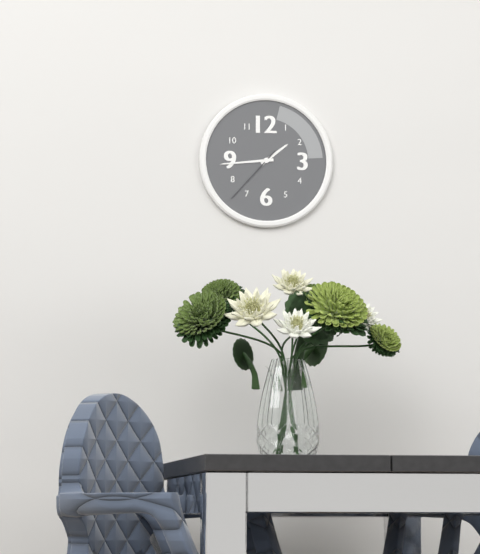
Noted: 1h44m37s
